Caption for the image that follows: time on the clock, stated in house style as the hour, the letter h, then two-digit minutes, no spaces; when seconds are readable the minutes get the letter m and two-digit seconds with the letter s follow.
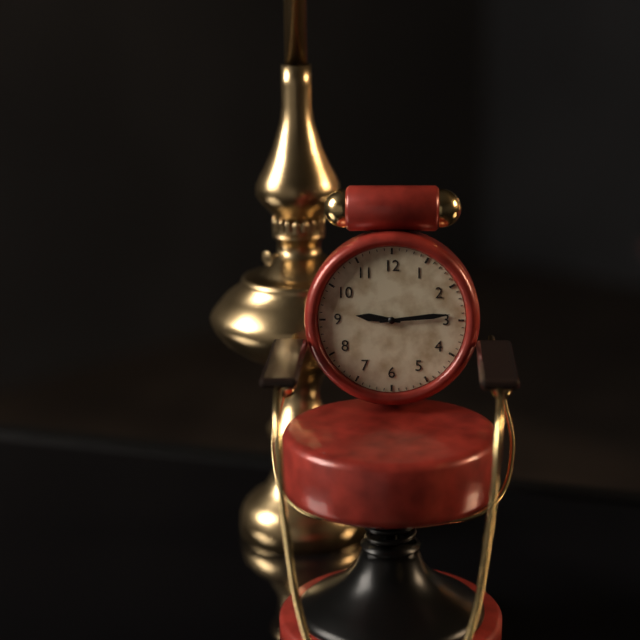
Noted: 9h14
